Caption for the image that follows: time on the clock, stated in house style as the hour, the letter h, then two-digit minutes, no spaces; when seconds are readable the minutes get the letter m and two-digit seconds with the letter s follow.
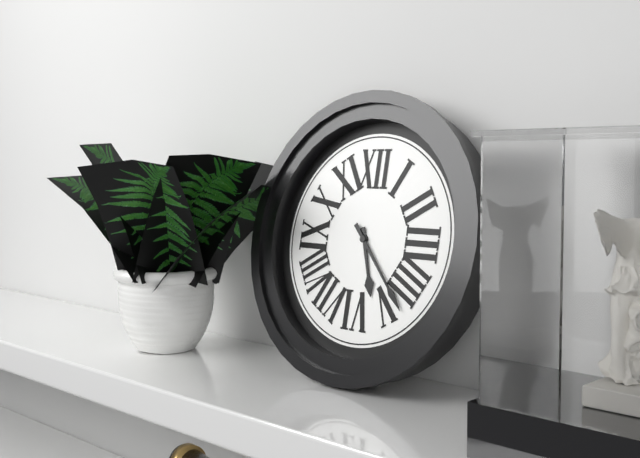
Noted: 5h23
